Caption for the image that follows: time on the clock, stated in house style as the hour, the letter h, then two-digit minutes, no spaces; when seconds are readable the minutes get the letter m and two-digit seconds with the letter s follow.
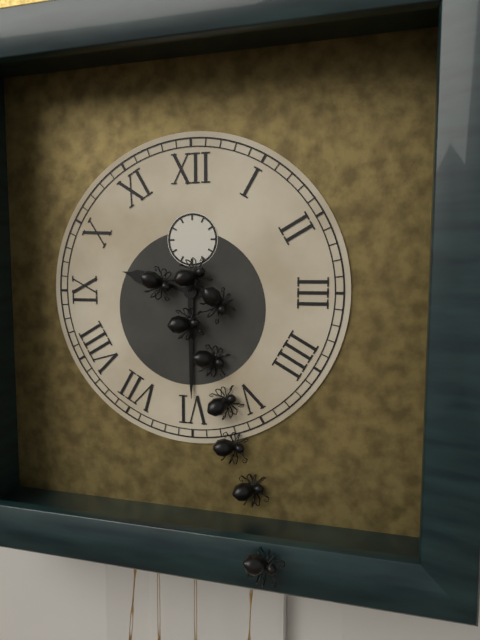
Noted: 9h30
